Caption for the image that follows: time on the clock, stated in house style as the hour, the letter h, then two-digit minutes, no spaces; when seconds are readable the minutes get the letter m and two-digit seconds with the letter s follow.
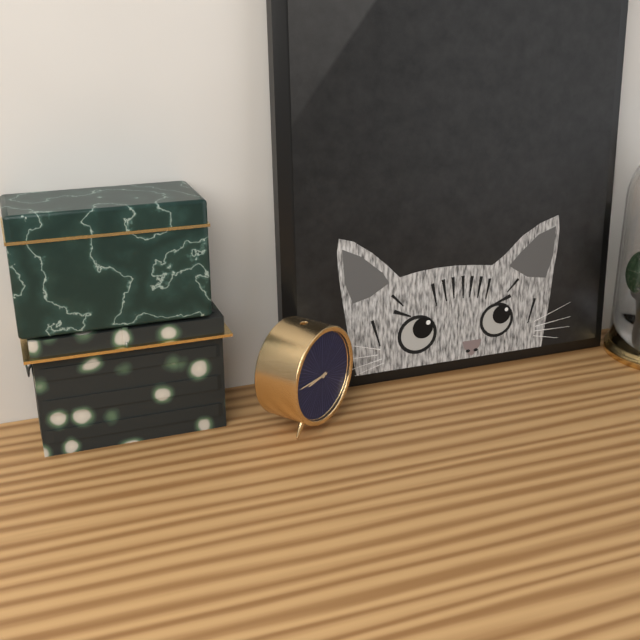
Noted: 8h45
